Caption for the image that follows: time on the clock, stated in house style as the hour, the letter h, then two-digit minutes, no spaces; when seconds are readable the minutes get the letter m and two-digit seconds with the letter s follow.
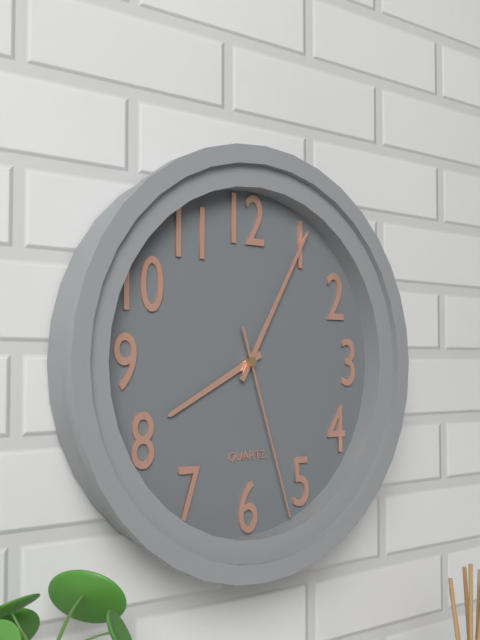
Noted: 8h05m27s
